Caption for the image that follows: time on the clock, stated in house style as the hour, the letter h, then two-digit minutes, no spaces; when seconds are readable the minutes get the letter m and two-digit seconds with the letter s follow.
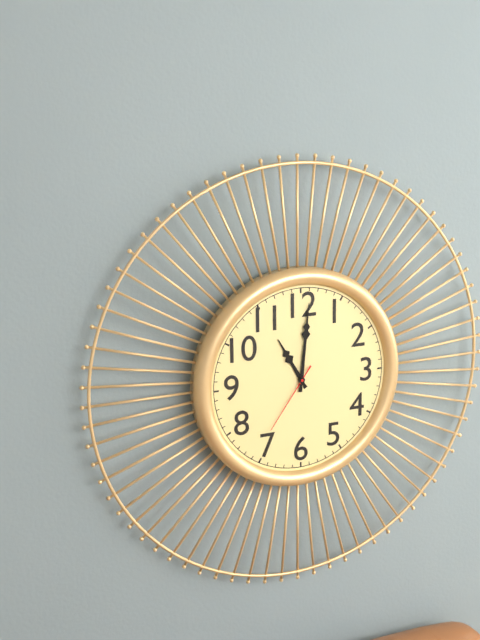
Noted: 11h01m36s
